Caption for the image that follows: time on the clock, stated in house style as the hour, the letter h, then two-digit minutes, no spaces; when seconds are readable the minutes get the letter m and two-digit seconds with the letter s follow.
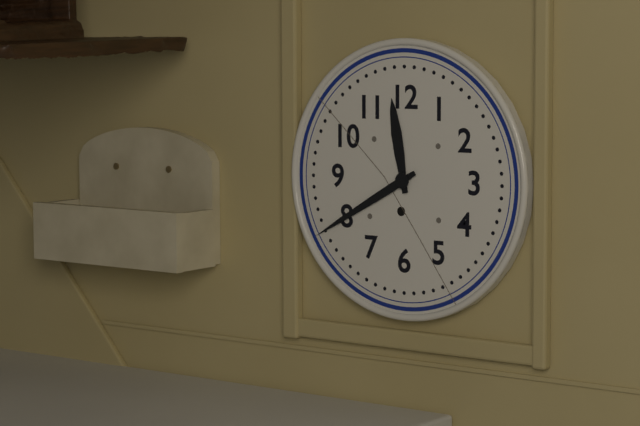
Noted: 11h40
